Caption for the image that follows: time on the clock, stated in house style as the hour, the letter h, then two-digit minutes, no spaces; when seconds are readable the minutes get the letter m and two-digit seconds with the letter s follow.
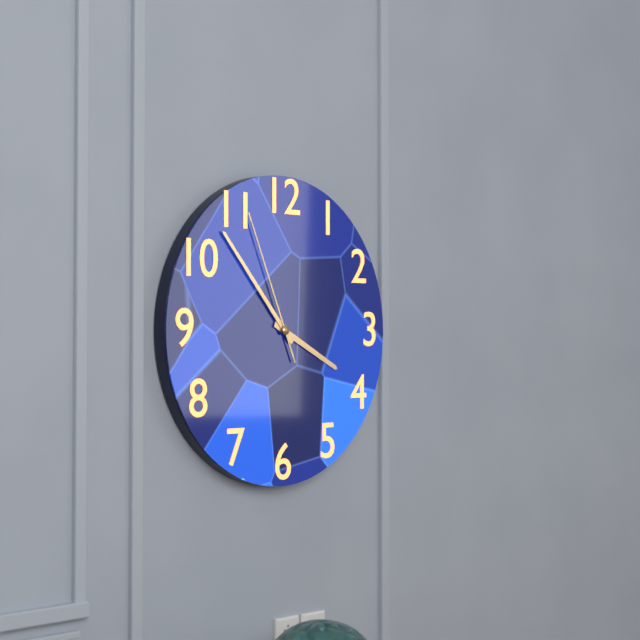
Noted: 3h53m56s
